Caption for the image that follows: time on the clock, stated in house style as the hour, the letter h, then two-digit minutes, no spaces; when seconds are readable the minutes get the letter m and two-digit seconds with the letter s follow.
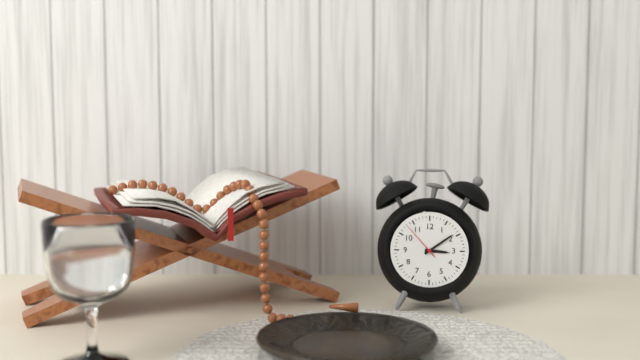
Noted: 3h09
